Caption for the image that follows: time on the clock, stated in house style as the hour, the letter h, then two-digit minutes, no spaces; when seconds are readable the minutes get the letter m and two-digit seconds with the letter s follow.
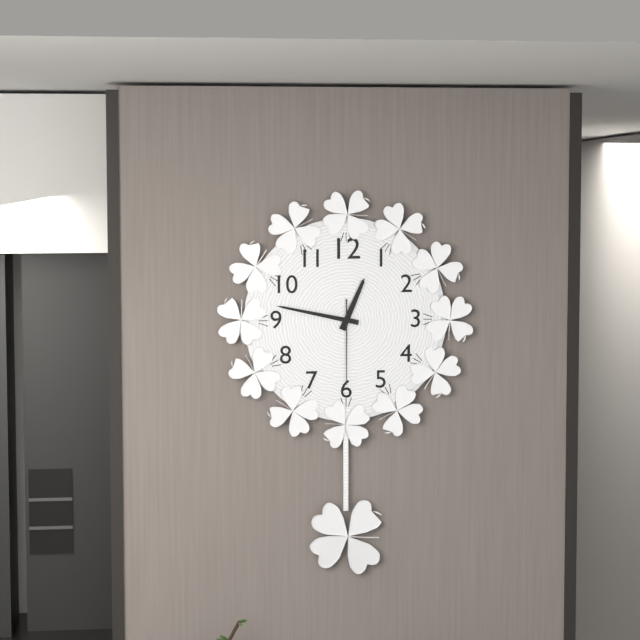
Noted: 12h47m30s
